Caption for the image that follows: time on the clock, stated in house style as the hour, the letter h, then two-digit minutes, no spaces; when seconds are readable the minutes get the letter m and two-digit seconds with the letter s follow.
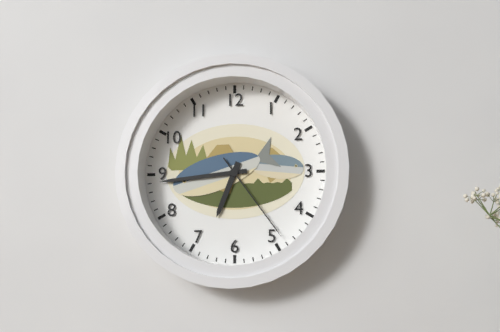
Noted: 6h44m24s
